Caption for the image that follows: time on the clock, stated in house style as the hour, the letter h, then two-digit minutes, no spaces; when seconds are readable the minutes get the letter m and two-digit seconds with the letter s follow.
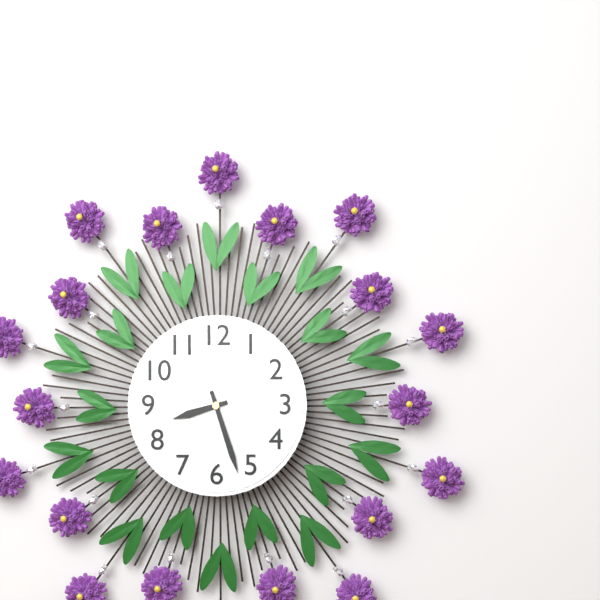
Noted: 8h27
